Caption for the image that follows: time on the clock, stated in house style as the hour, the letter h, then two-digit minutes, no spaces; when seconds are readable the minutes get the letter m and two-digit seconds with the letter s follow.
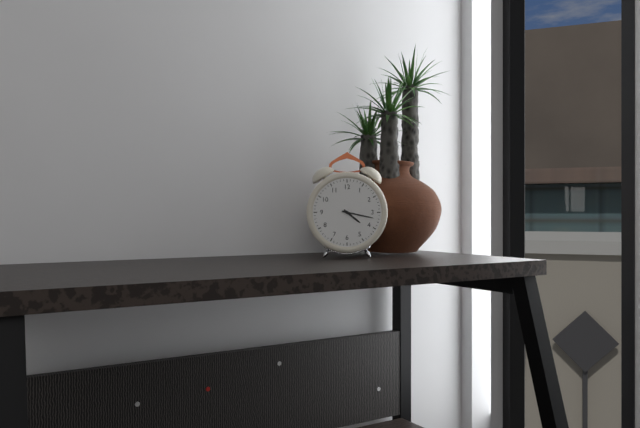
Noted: 4h17
